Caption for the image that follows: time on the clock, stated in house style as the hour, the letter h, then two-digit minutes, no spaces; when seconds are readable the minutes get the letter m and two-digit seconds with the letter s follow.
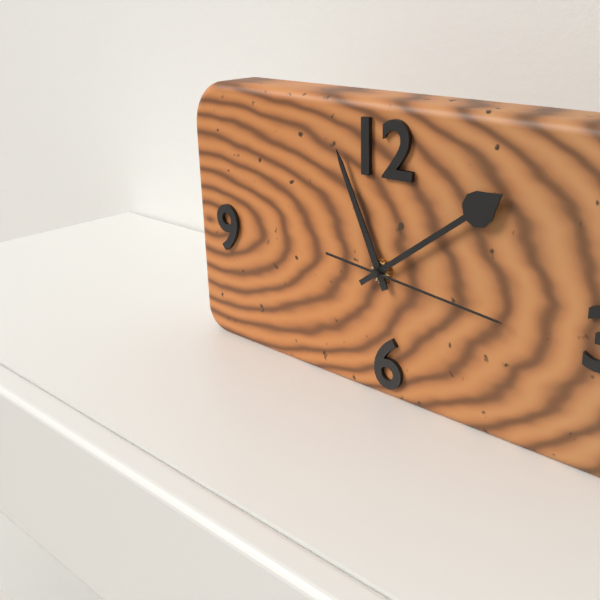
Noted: 11h09m16s
